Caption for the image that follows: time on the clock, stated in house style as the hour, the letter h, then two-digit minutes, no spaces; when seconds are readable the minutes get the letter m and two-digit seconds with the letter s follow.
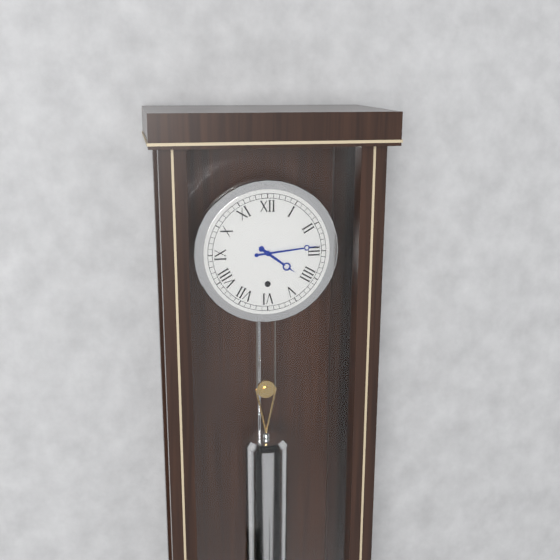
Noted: 4h14
